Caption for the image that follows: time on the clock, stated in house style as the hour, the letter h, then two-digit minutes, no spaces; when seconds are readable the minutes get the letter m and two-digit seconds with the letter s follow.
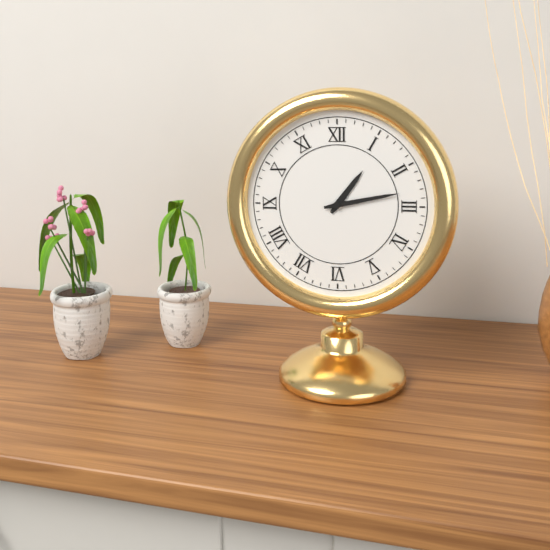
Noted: 1h13
